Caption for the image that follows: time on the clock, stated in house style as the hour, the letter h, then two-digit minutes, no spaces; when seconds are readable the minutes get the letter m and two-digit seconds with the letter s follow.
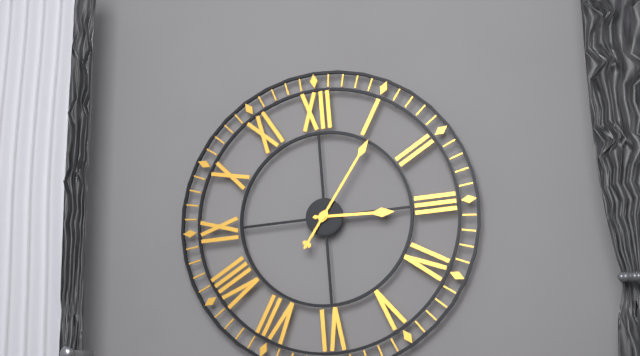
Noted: 3h06
